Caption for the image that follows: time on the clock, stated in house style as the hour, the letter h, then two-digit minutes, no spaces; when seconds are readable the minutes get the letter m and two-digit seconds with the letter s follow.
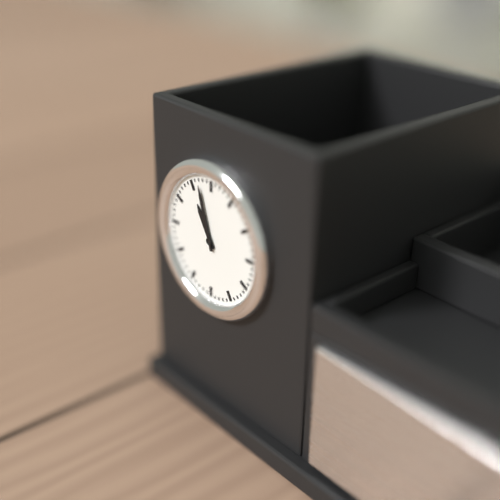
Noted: 10h57
